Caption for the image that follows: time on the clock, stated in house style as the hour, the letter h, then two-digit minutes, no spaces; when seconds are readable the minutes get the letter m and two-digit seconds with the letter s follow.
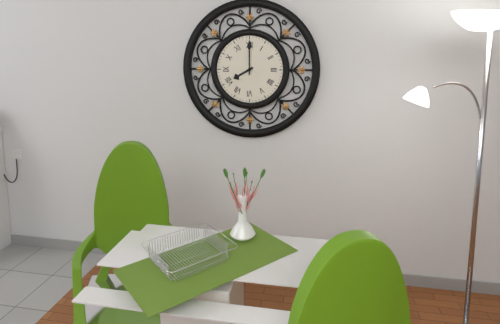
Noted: 8h00
